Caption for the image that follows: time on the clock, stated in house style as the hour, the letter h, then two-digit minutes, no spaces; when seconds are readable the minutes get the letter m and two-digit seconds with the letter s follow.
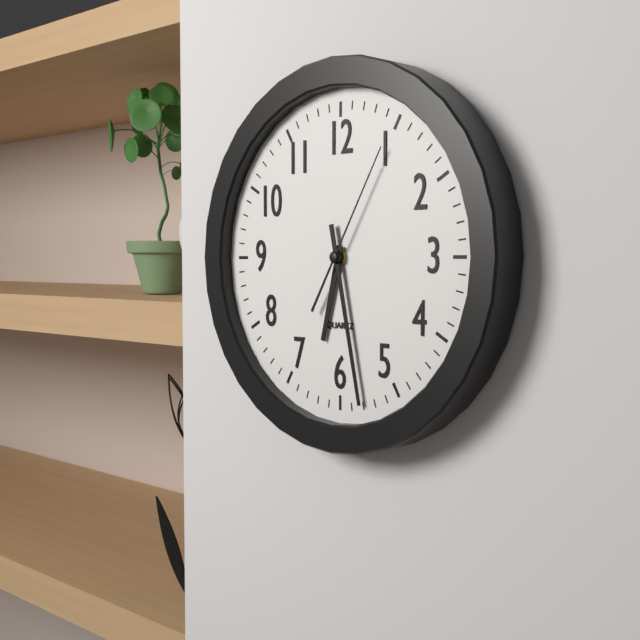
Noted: 6h28m05s
